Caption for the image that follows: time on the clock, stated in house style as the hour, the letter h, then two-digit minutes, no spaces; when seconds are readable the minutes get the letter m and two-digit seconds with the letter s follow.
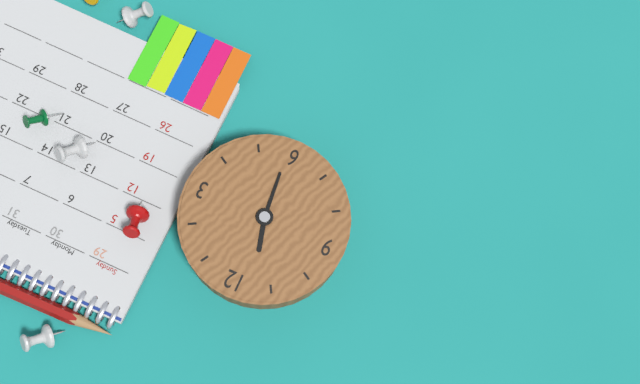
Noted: 11h29
